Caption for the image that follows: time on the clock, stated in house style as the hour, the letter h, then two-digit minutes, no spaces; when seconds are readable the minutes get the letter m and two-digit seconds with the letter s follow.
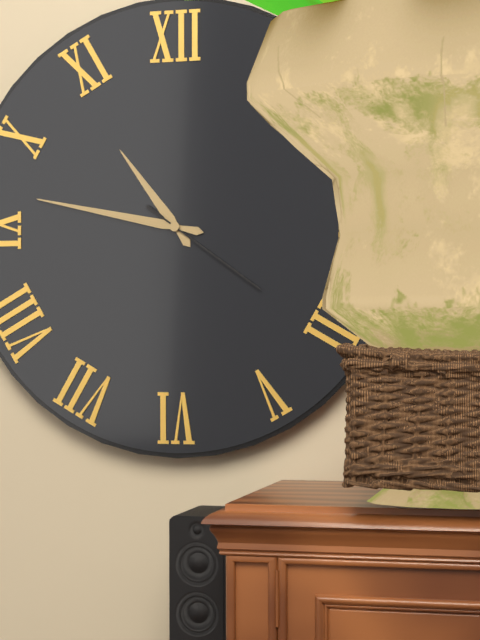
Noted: 10h47m21s
